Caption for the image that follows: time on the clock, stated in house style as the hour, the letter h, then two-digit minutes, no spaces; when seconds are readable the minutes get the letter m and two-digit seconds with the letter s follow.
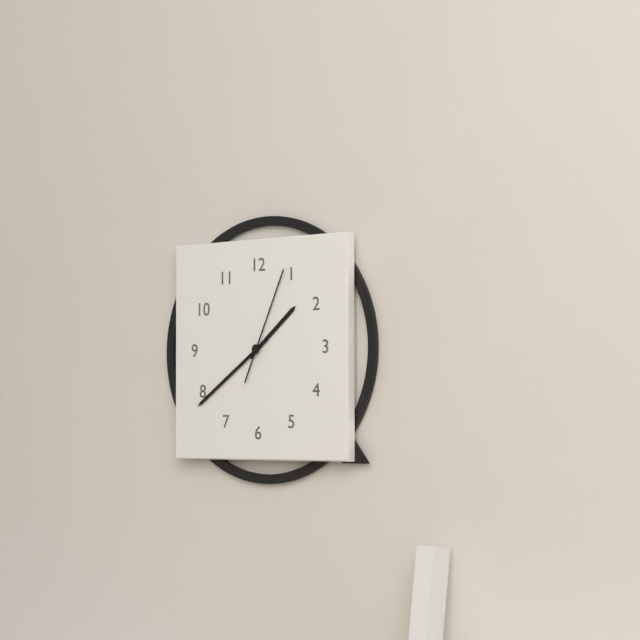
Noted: 1h39m04s
